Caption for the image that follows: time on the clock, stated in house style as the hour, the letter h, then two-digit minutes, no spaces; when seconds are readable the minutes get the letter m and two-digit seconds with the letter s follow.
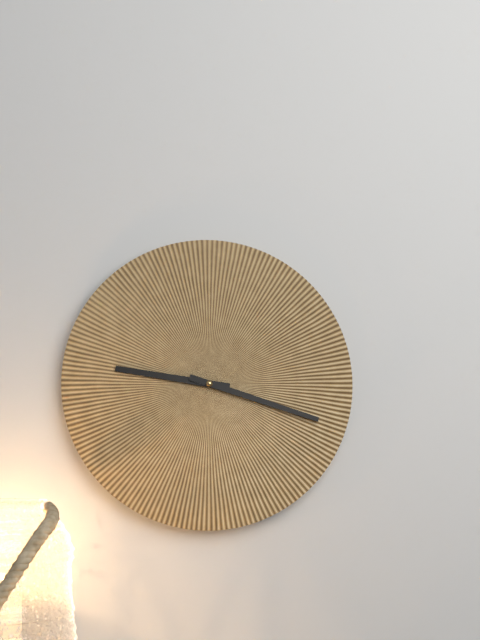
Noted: 9h18
